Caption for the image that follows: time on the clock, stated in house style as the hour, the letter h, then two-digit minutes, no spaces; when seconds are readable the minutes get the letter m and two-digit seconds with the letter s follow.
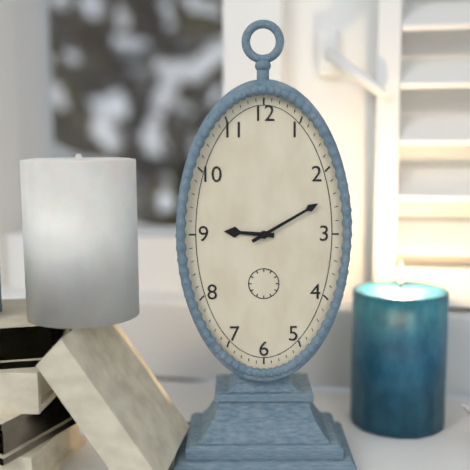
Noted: 9h10
